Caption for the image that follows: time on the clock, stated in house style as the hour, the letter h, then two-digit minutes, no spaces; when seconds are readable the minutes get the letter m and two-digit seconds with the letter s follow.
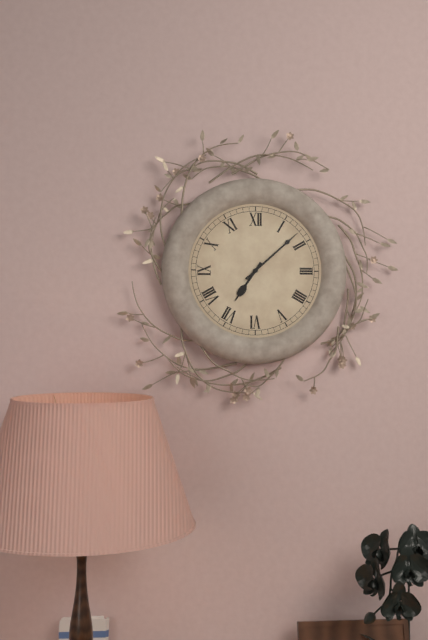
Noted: 7h08
